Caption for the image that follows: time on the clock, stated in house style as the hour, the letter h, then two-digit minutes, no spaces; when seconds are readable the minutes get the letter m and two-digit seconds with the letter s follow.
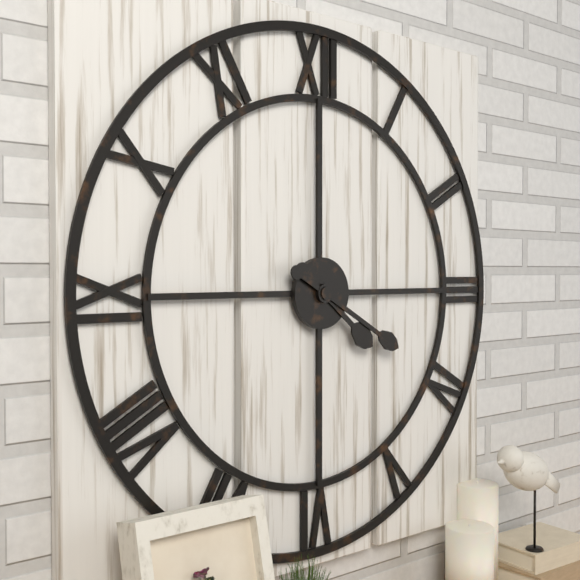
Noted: 4h20
